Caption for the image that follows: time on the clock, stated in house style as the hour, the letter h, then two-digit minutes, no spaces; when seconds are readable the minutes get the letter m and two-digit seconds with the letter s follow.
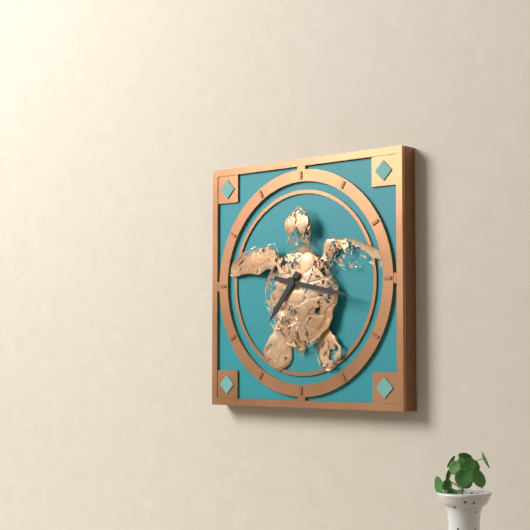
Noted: 7h17
